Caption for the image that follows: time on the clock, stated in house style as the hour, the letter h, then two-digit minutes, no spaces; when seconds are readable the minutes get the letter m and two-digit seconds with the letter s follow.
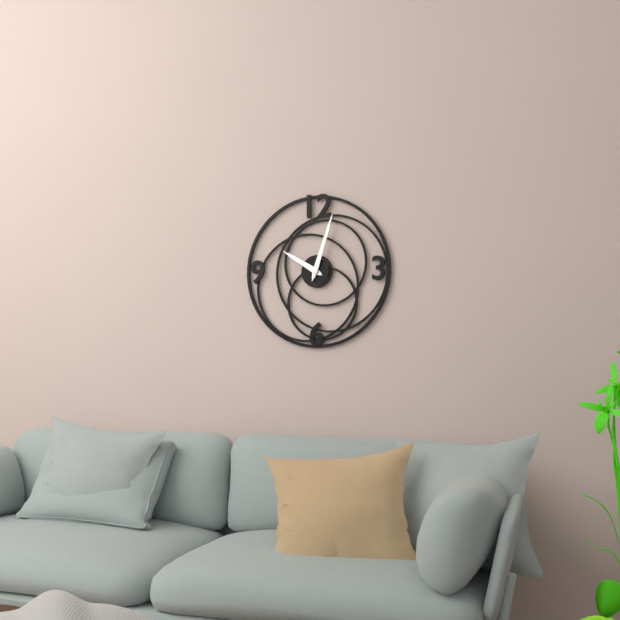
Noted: 10h03
